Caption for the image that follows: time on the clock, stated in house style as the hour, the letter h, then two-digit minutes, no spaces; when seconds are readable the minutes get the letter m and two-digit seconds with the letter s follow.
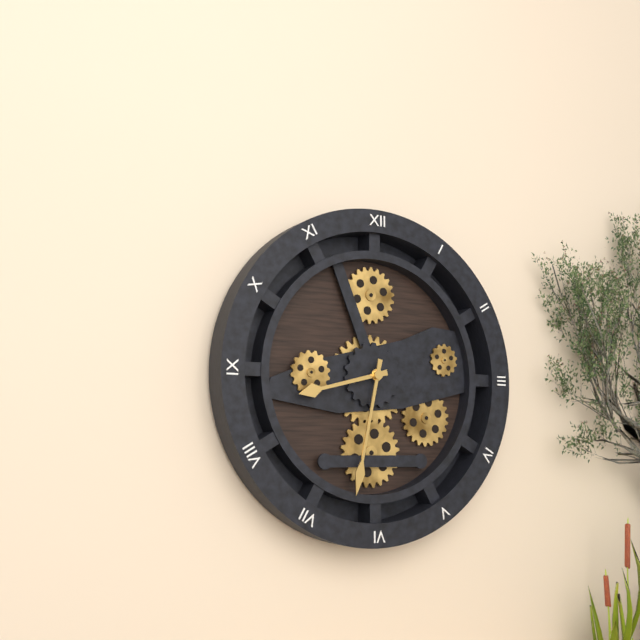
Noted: 8h32
